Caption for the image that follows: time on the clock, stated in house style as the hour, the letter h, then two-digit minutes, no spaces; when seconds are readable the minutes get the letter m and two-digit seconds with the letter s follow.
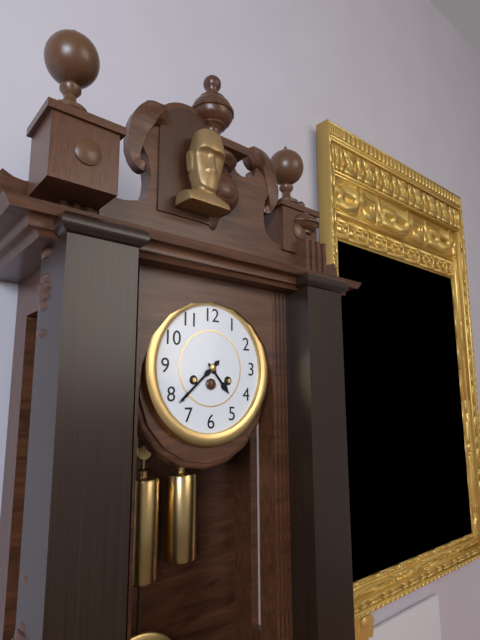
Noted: 4h38
